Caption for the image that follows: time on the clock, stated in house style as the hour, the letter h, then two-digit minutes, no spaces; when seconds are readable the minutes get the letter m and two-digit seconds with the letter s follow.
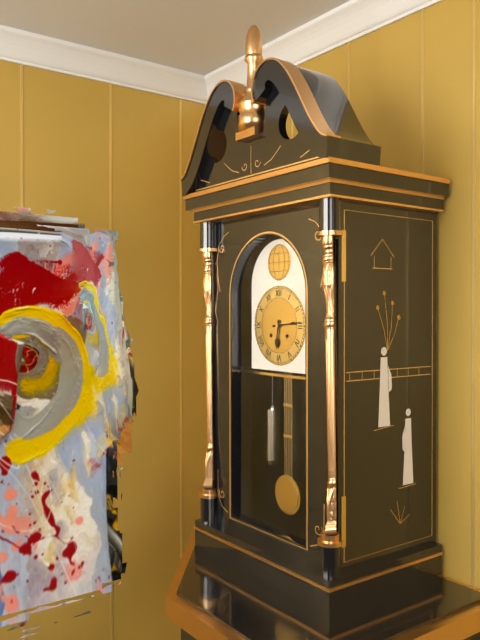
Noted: 6h14
